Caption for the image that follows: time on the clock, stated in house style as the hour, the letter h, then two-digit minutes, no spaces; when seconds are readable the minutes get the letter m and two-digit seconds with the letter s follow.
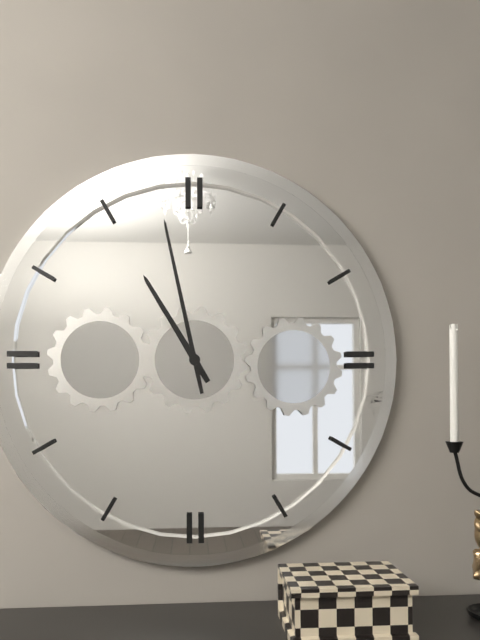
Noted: 10h58
